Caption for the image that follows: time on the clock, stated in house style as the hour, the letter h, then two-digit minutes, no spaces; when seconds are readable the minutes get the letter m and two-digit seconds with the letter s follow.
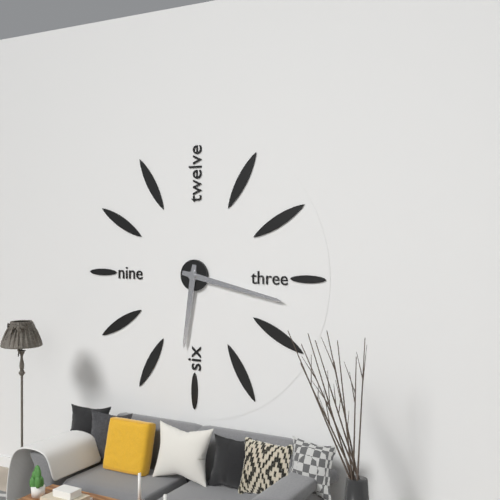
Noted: 6h17
